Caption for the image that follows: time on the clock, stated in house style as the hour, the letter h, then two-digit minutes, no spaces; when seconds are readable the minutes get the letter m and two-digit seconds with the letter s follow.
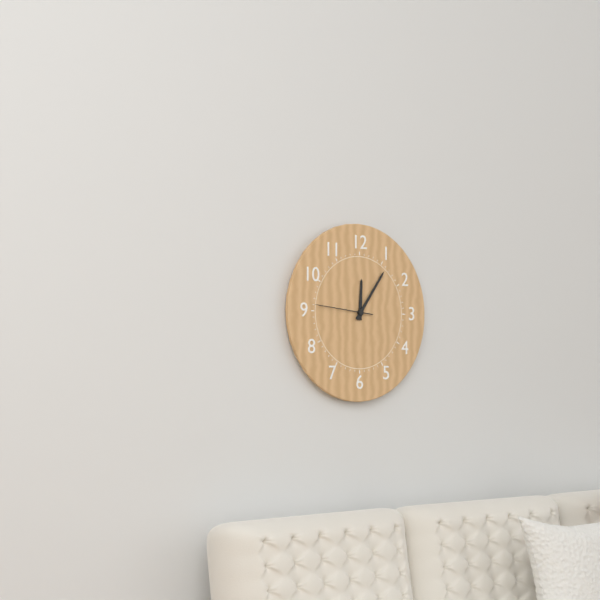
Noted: 12h06m46s
